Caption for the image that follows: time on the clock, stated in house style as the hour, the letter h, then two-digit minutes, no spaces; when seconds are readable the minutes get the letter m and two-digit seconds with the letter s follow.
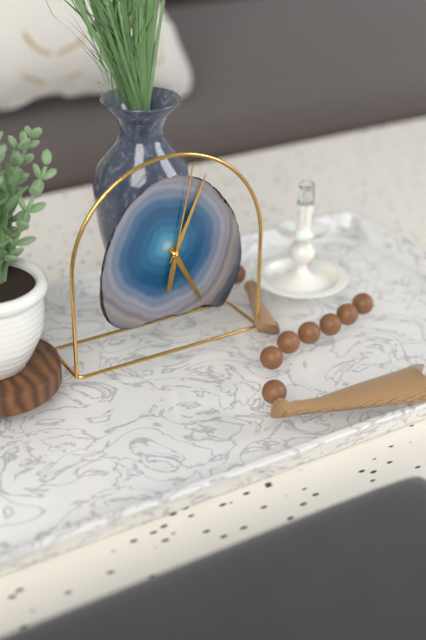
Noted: 5h04m02s
